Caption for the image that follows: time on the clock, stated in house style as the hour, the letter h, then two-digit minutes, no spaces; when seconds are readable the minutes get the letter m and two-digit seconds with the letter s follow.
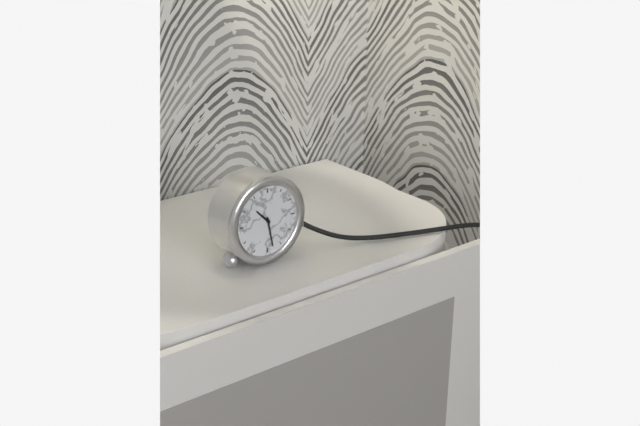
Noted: 10h28
